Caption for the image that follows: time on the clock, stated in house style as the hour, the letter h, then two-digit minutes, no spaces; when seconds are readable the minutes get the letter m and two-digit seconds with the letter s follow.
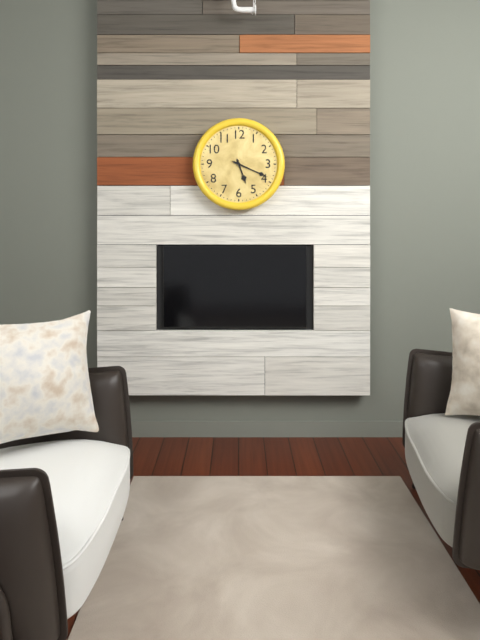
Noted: 5h19
